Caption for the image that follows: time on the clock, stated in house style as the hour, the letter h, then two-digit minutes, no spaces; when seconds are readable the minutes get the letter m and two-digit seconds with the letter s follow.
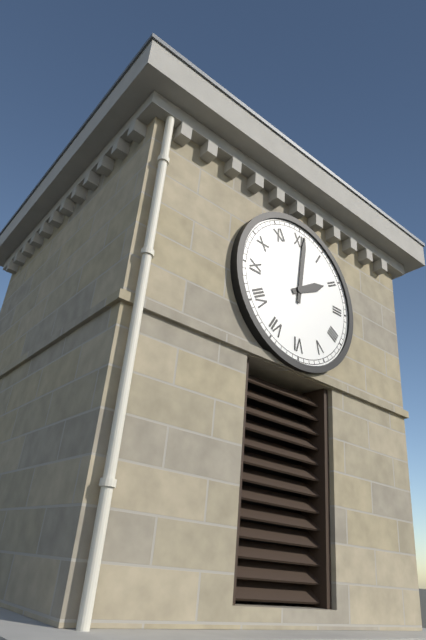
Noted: 2h01
